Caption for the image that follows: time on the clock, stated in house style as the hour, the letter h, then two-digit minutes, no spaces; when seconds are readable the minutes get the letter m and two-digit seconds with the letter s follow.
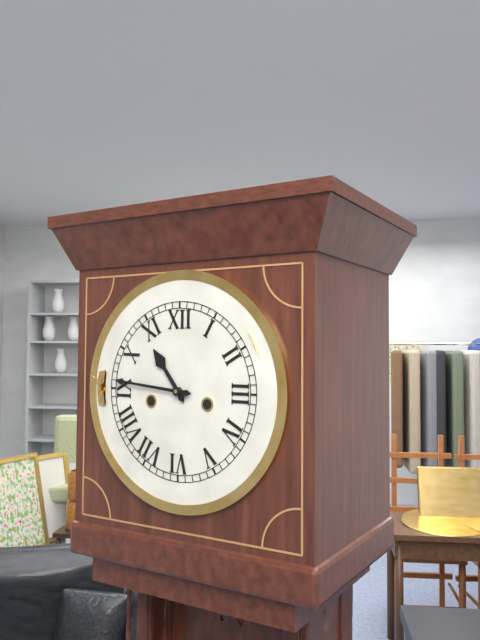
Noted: 10h46
